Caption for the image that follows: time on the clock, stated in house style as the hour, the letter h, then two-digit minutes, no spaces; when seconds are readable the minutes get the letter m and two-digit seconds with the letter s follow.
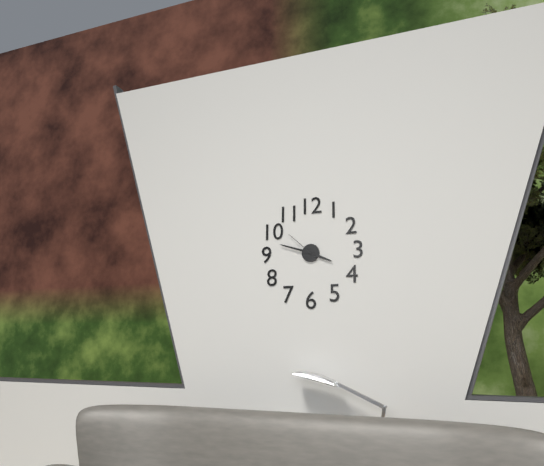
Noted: 3h48
